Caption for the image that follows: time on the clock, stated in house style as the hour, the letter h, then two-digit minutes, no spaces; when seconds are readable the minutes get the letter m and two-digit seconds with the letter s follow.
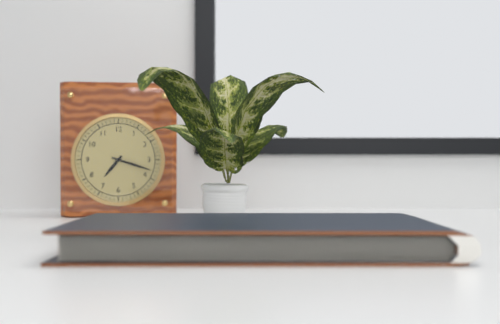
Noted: 7h18
